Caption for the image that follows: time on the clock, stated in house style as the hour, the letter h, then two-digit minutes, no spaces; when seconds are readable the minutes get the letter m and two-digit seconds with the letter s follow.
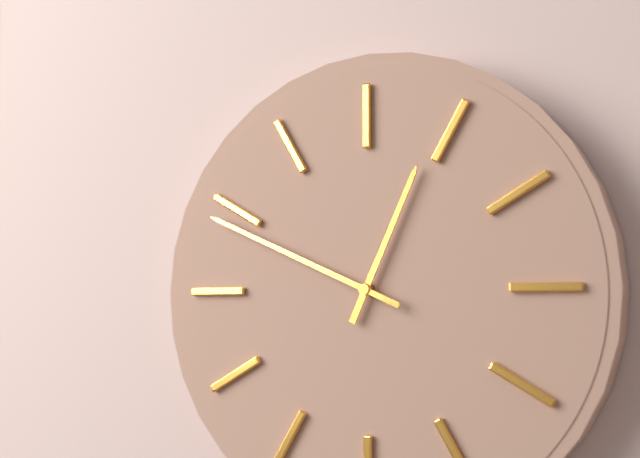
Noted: 12h49
